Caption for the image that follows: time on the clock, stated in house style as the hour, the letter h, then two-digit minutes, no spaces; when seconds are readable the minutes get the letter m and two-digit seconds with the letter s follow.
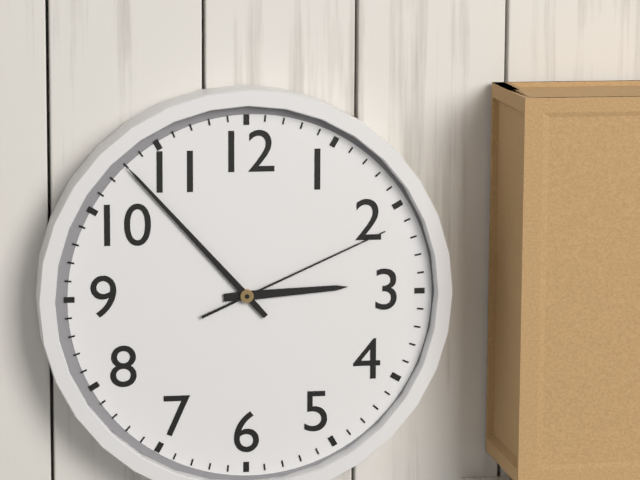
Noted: 2h53m11s
